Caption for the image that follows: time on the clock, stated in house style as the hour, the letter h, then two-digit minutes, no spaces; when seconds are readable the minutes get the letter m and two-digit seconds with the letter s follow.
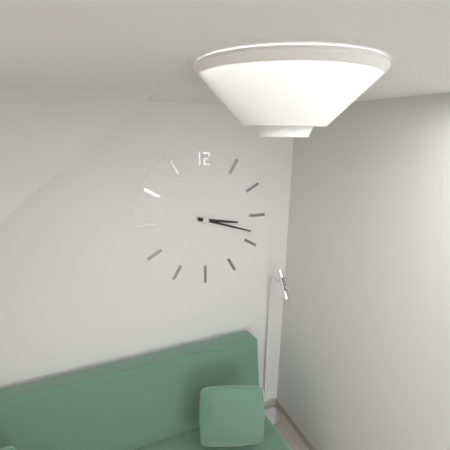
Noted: 3h18
